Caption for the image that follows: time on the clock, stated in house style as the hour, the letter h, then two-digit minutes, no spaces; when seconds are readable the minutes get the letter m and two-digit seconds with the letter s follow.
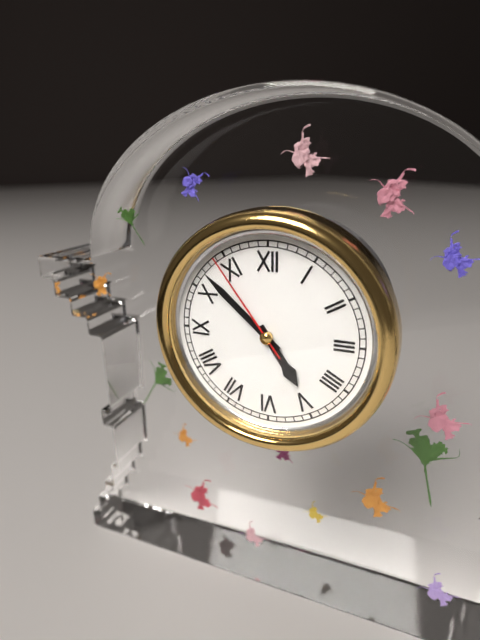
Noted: 4h52m54s
